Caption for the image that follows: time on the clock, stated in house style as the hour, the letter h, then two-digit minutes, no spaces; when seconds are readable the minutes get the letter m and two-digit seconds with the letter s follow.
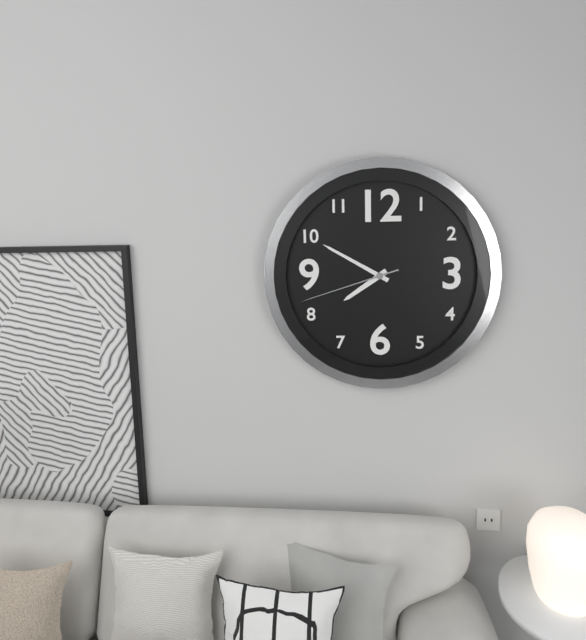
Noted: 7h50m42s
